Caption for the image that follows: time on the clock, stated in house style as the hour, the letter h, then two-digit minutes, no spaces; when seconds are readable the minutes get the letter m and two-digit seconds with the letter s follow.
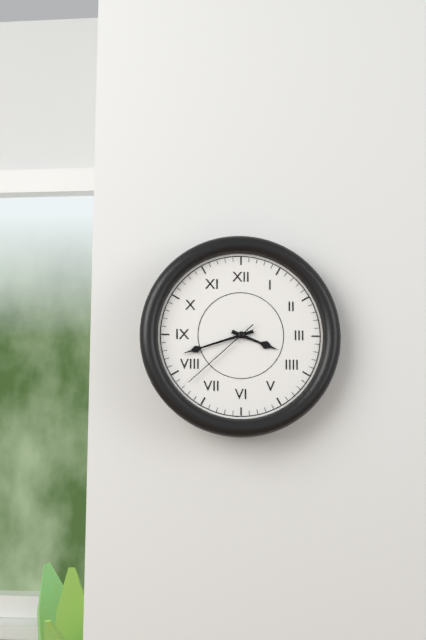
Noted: 3h42m38s
